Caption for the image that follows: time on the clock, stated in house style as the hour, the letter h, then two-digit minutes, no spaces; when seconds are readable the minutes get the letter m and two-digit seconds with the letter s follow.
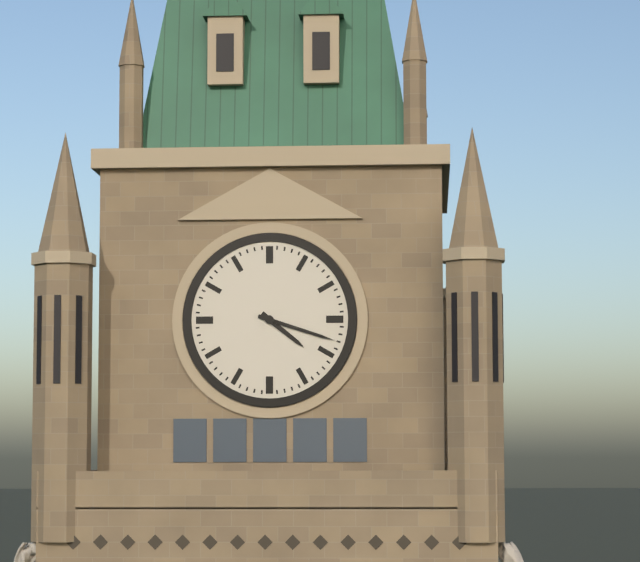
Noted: 4h18
